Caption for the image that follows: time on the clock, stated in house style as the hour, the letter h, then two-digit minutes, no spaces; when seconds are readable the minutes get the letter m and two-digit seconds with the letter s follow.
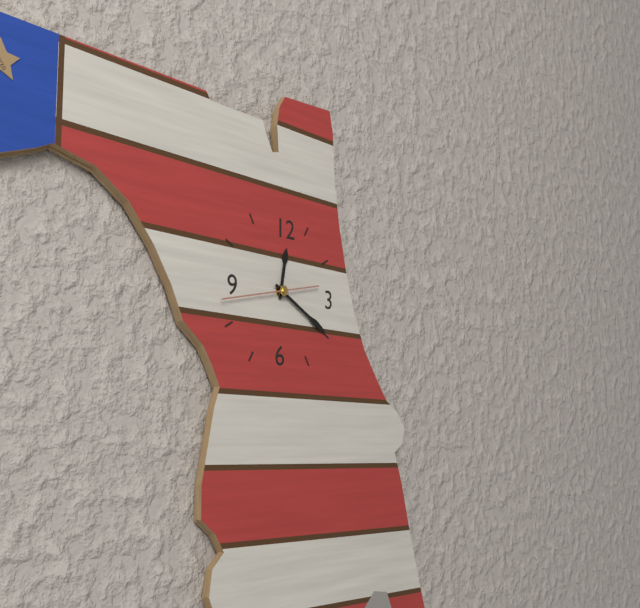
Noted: 12h20m43s
